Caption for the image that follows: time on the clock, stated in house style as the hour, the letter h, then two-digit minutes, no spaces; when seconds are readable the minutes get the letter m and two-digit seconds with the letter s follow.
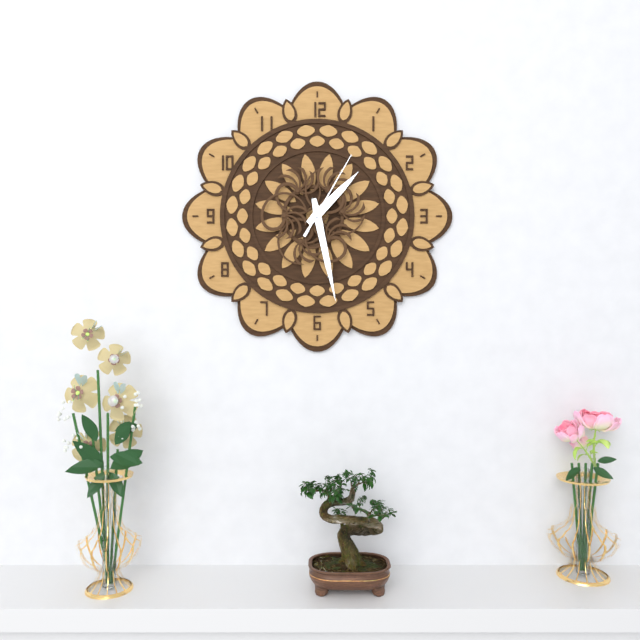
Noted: 1h28m05s
